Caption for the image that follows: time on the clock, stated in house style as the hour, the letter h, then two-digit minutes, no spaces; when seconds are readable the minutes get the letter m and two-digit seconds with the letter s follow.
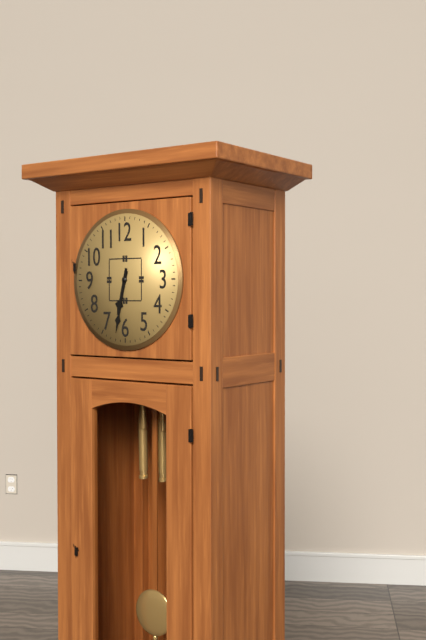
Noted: 6h32
